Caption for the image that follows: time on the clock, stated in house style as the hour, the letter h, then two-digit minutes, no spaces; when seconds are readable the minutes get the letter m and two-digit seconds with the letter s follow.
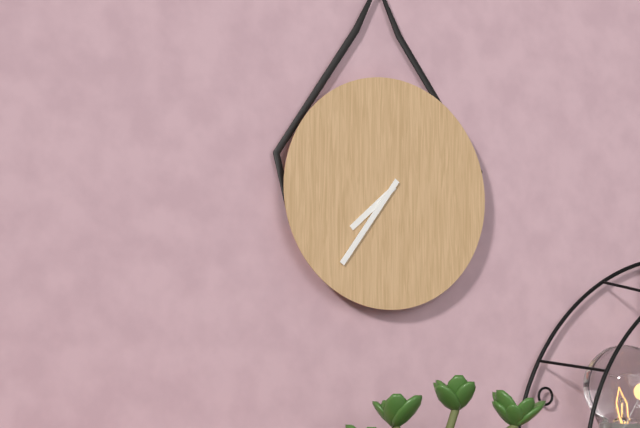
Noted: 7h36
